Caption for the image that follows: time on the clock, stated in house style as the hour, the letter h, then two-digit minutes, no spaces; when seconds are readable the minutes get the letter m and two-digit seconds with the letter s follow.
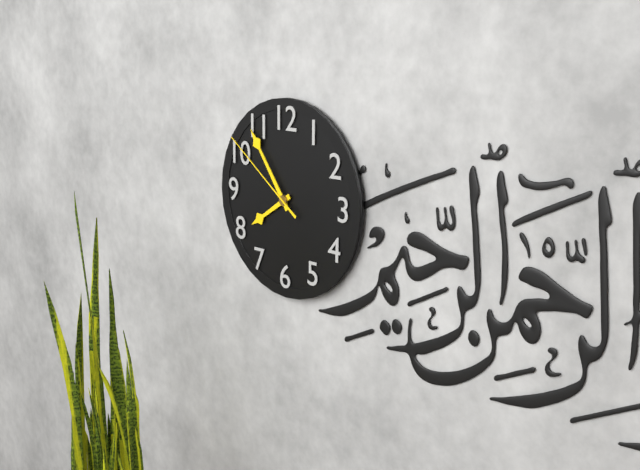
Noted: 7h54m51s
